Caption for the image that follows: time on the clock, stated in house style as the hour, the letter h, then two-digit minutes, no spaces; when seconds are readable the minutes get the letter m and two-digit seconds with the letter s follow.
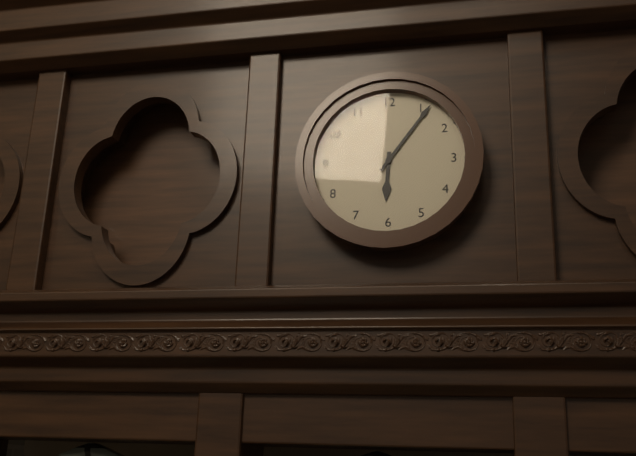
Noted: 6h06
